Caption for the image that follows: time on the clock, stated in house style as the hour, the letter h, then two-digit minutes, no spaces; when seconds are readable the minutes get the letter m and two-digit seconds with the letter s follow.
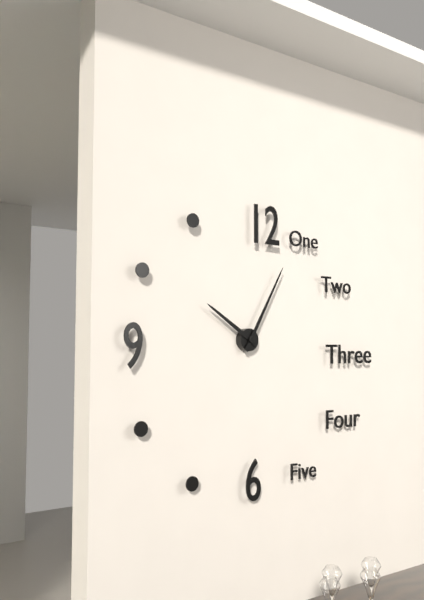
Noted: 10h05
